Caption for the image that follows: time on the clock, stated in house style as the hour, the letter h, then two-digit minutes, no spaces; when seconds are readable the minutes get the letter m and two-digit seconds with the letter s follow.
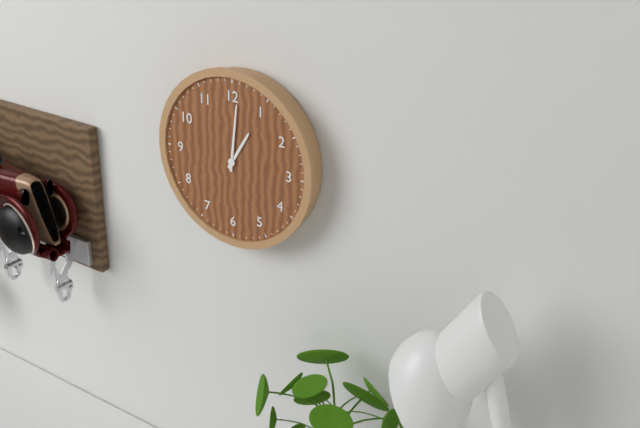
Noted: 1h01
